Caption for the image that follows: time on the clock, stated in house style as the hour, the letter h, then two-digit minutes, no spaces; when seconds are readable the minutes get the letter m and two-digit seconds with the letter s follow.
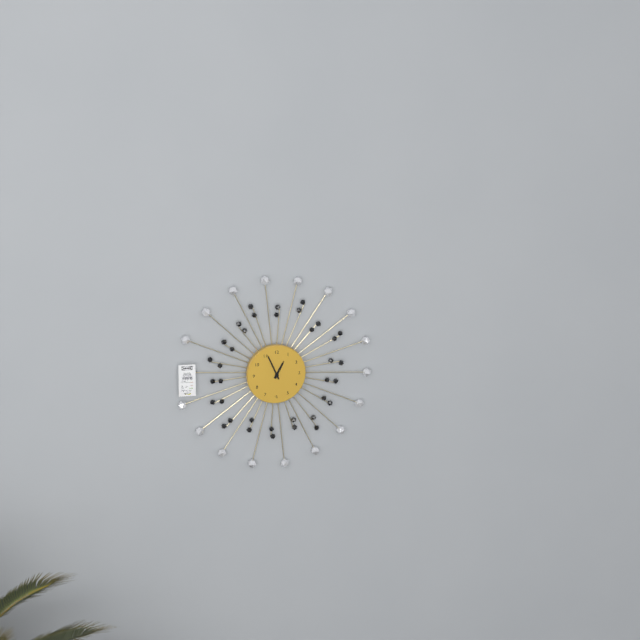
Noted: 12h56
